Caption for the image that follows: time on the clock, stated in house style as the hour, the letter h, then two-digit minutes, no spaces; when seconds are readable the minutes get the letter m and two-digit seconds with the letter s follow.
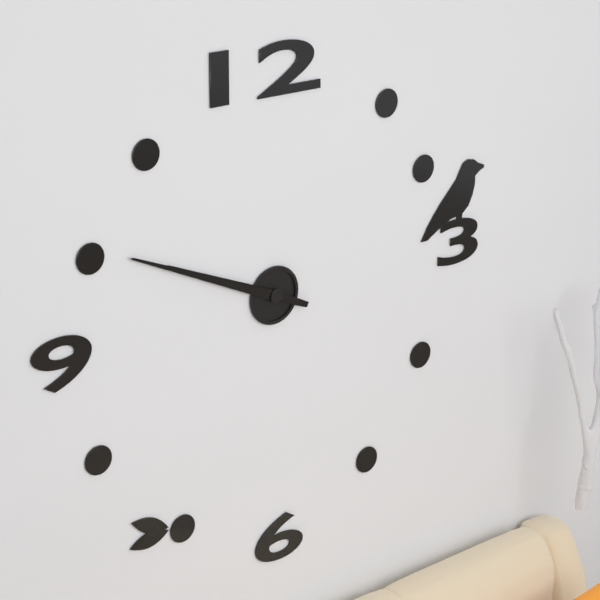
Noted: 9h49
